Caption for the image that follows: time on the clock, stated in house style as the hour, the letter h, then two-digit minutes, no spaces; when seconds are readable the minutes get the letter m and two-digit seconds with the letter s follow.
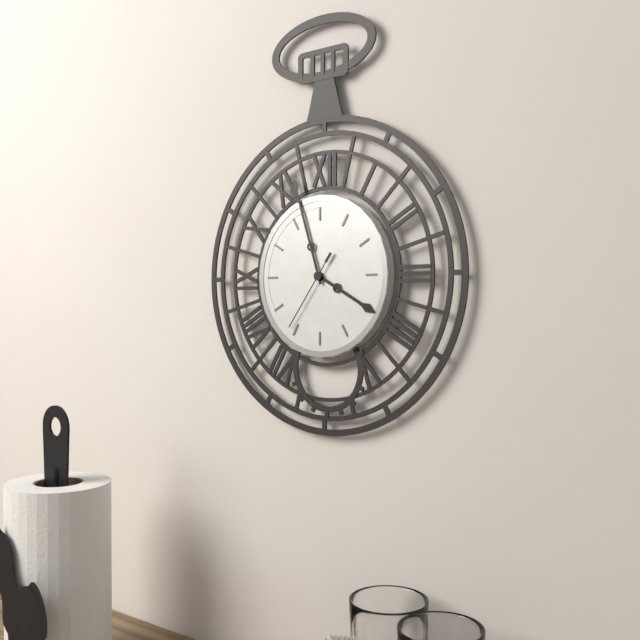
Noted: 3h57m36s
